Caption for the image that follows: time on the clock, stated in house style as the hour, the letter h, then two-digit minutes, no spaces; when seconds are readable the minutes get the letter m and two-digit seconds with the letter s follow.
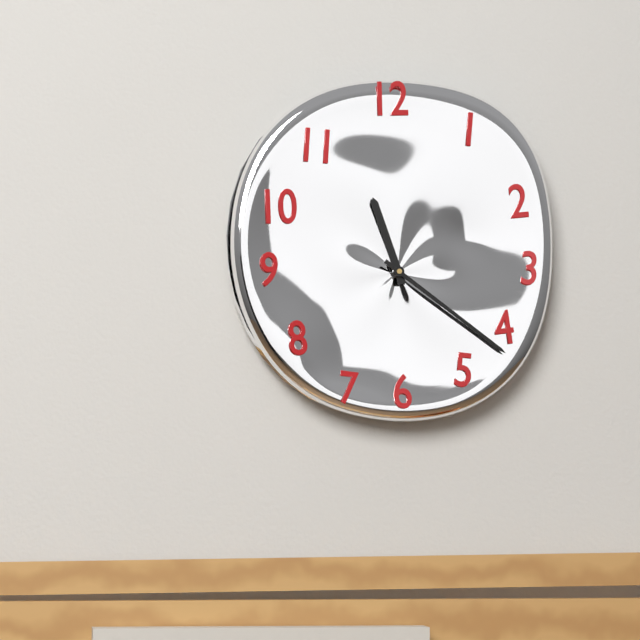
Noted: 11h21
